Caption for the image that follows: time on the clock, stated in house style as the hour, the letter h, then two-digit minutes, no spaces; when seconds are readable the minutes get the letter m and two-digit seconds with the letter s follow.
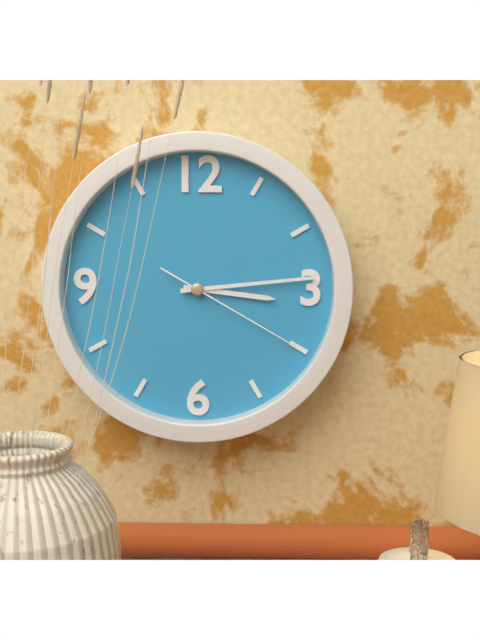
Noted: 3h14m20s
